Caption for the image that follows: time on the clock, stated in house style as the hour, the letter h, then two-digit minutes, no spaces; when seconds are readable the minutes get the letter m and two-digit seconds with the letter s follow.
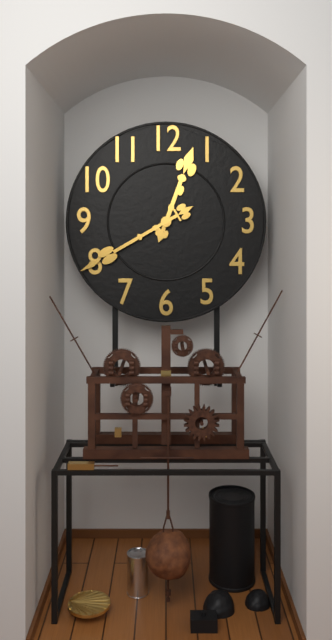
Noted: 12h40
